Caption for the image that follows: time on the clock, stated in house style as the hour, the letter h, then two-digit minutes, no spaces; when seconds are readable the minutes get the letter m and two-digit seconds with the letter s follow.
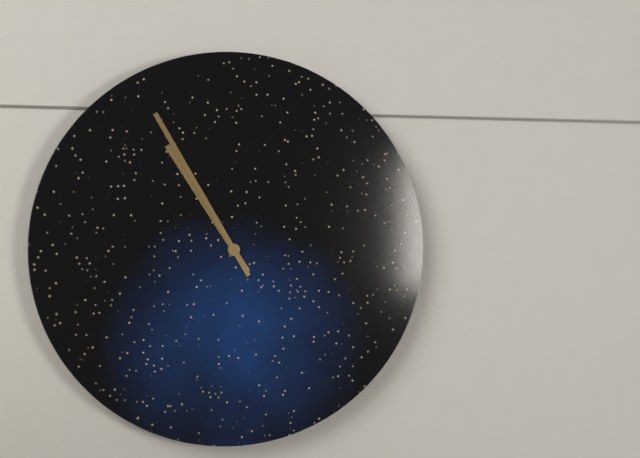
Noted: 10h55
